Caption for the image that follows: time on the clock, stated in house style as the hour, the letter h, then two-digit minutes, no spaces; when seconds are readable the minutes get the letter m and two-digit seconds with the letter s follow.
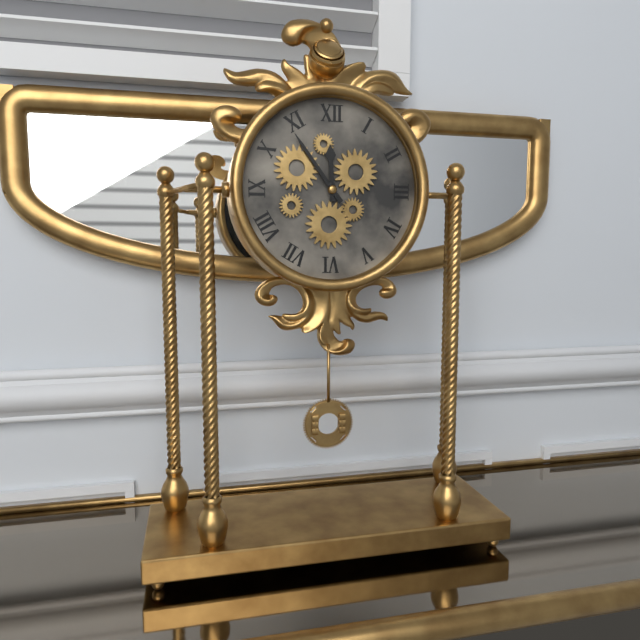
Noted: 11h54
